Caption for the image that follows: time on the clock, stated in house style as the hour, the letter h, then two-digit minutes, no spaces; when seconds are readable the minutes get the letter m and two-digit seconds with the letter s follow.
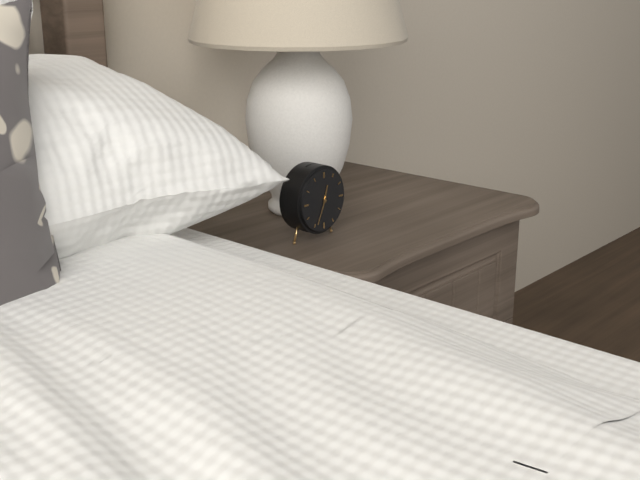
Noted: 12h34
